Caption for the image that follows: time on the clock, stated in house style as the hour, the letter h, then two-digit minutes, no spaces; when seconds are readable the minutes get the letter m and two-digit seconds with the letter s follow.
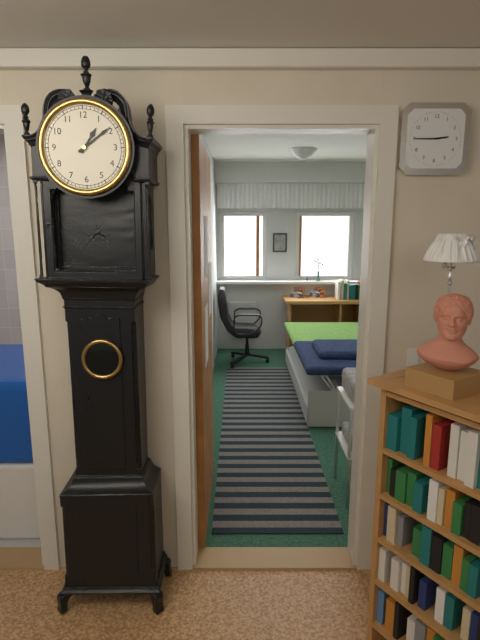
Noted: 1h09
